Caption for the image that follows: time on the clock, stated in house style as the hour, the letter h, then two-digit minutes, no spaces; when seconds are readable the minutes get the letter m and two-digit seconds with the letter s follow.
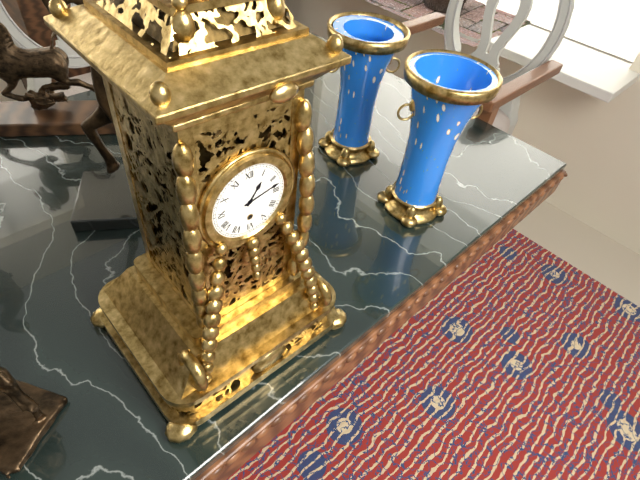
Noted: 1h13
